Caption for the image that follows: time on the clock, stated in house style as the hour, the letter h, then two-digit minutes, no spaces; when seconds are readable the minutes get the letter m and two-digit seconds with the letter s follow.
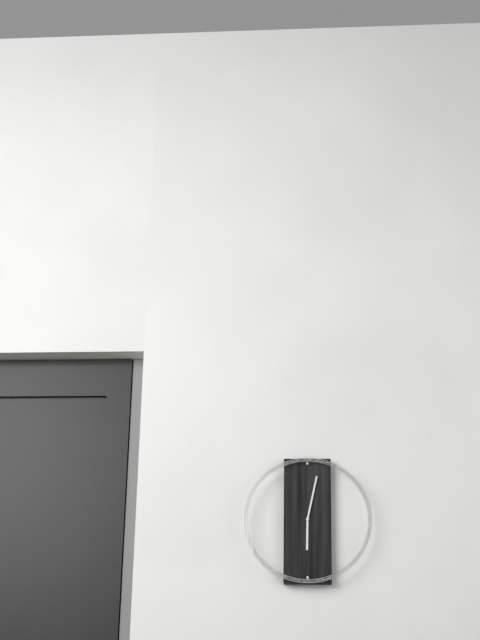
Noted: 6h02
